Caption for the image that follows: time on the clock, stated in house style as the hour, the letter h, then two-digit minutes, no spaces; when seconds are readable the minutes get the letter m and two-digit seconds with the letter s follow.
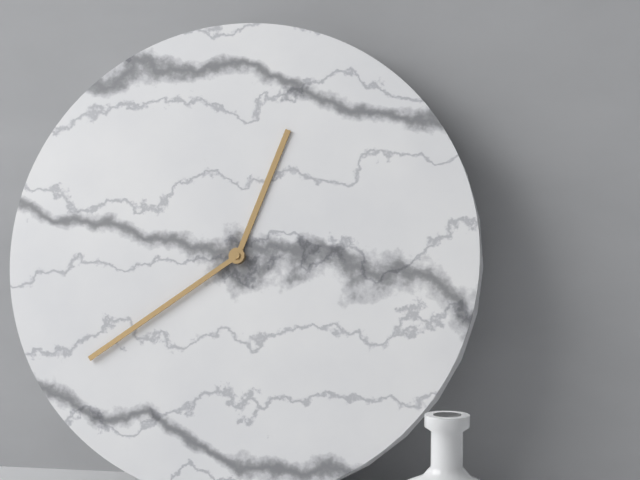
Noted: 12h39
